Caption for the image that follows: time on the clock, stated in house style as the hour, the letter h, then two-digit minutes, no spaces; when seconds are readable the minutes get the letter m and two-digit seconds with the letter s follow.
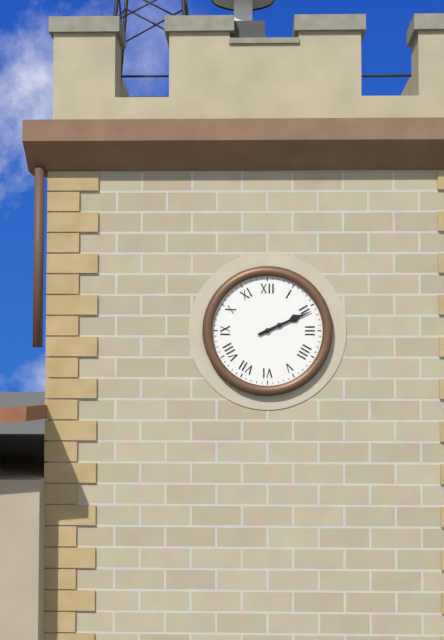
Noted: 2h11
